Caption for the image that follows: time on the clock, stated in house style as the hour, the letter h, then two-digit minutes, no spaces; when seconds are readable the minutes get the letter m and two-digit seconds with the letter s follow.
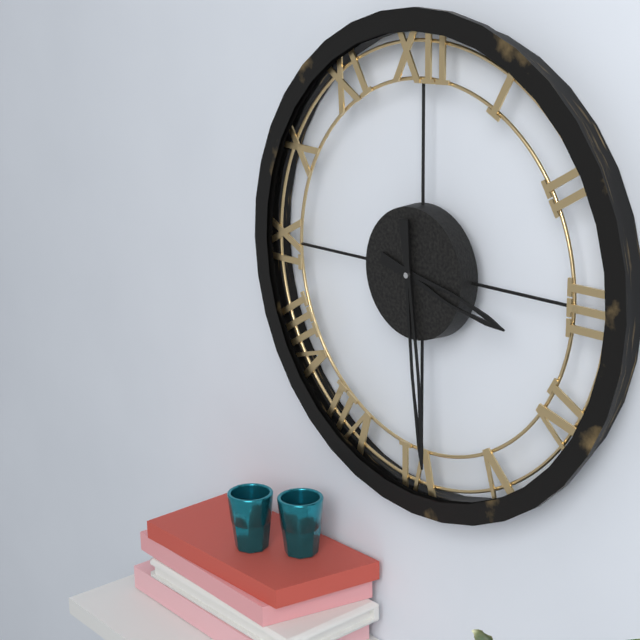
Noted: 3h29
